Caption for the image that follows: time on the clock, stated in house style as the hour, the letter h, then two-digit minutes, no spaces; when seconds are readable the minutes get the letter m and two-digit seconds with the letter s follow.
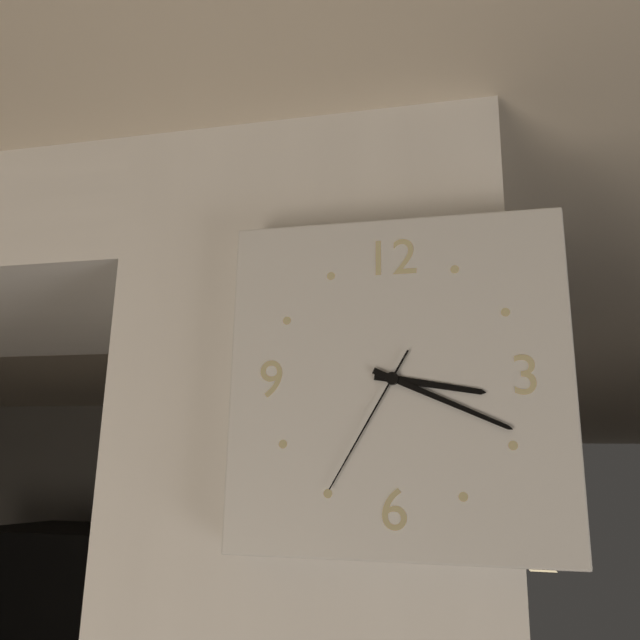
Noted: 3h19m35s
